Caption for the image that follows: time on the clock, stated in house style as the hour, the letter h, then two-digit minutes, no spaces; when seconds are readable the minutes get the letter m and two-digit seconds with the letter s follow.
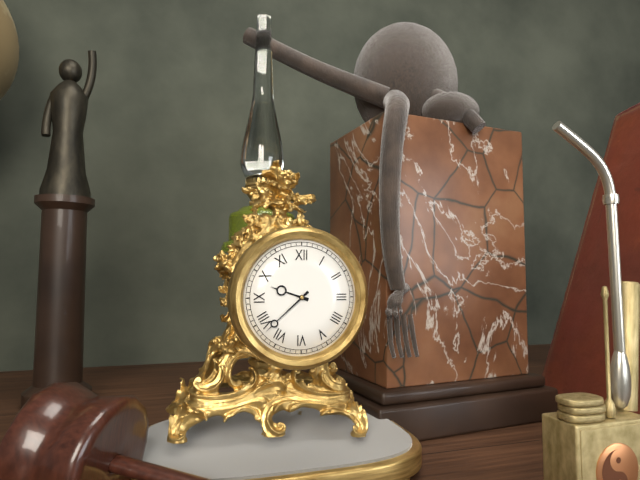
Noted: 9h38
